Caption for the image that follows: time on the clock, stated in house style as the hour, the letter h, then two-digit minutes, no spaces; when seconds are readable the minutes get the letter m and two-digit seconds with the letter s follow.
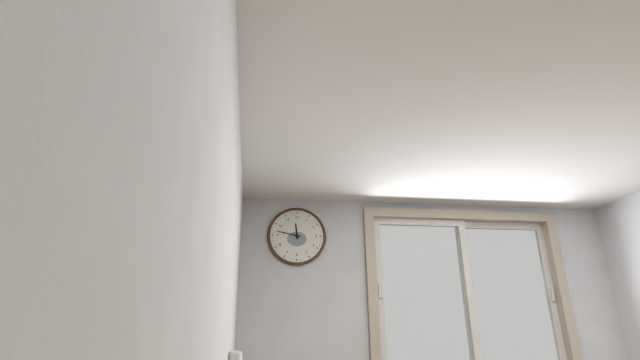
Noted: 11h47
